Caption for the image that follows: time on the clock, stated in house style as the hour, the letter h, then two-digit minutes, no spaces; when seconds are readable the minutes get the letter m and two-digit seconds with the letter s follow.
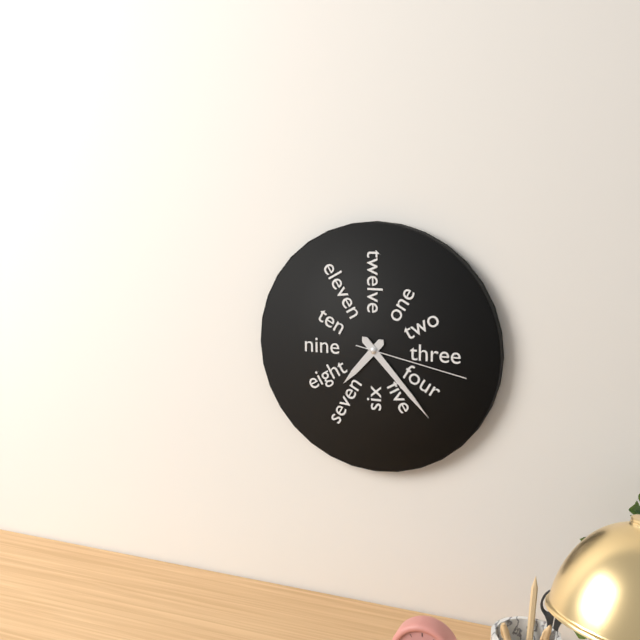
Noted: 7h23m17s
